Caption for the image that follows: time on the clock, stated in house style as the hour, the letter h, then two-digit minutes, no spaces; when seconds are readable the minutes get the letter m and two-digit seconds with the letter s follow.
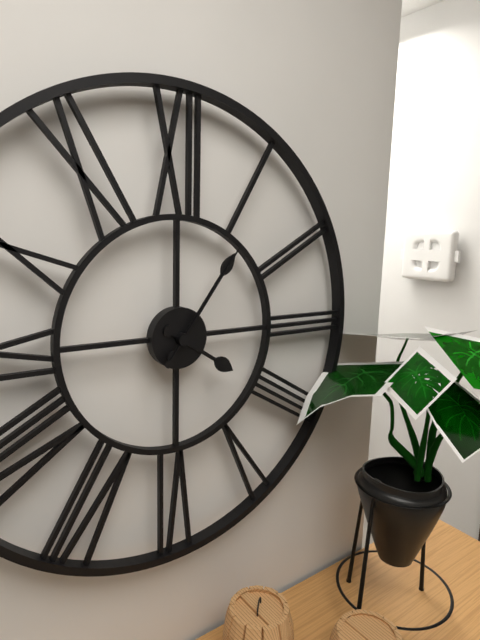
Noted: 4h06m06s
